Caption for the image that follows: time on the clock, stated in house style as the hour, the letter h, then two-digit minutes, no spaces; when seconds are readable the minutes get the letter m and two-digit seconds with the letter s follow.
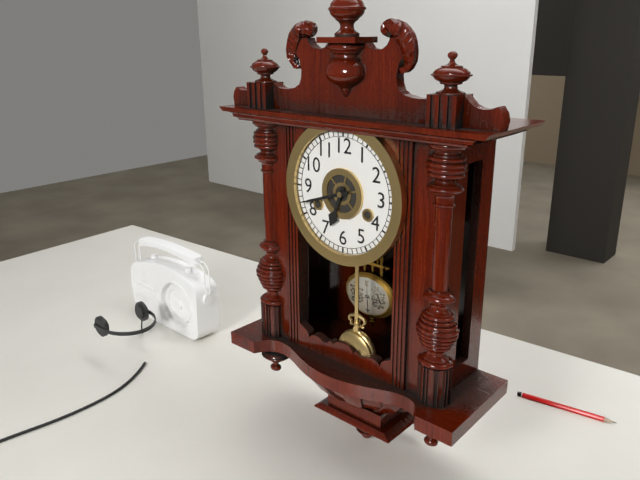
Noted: 6h42
